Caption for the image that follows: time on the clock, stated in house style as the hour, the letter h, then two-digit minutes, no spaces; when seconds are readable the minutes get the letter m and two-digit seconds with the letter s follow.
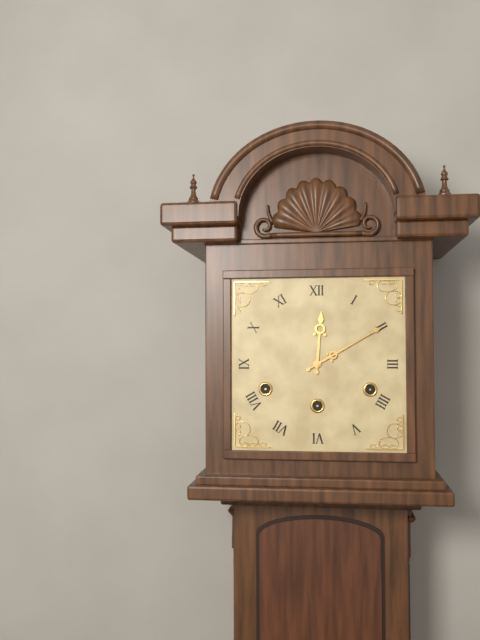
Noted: 12h10
